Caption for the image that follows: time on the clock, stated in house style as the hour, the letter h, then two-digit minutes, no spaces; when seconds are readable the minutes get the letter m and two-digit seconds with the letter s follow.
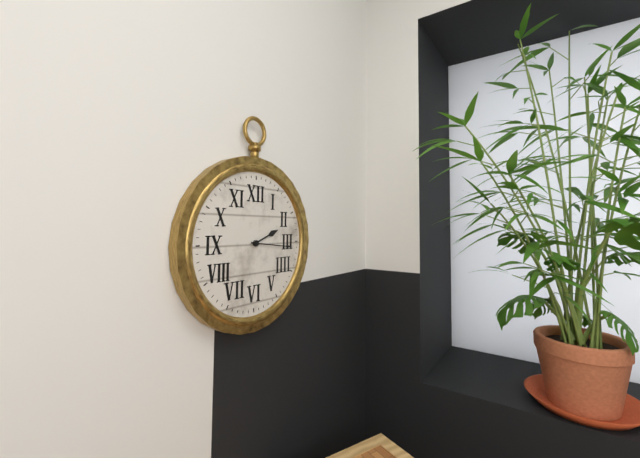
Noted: 2h16
